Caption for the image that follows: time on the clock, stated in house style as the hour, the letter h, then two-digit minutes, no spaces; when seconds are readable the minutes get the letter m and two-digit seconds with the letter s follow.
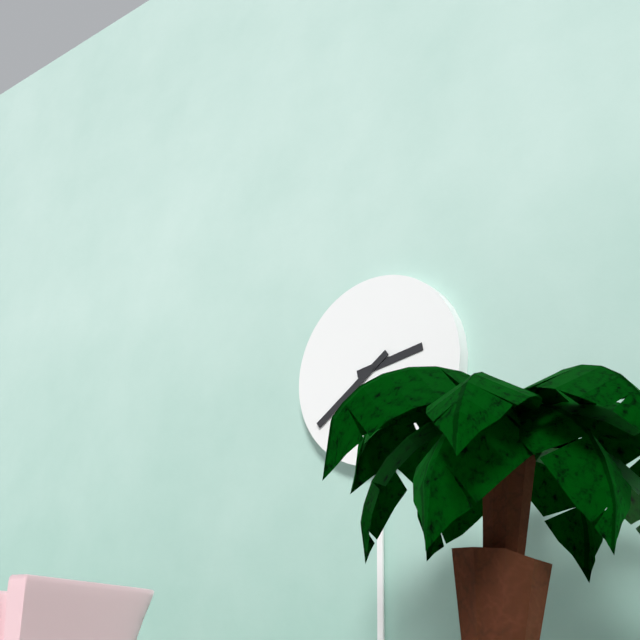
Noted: 2h39
